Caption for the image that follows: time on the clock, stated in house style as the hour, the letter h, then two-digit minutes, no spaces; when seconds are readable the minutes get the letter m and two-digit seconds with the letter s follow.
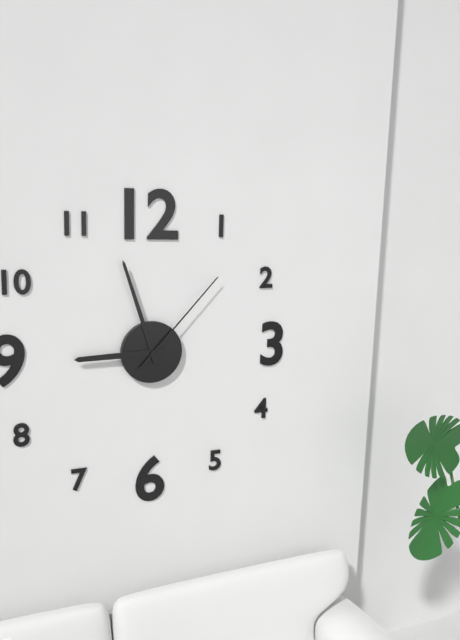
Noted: 8h57m07s
